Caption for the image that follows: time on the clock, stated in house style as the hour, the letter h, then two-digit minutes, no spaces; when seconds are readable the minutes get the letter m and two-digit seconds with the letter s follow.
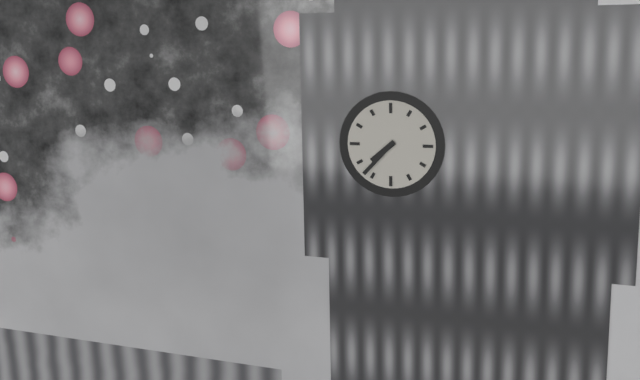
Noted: 7h37
